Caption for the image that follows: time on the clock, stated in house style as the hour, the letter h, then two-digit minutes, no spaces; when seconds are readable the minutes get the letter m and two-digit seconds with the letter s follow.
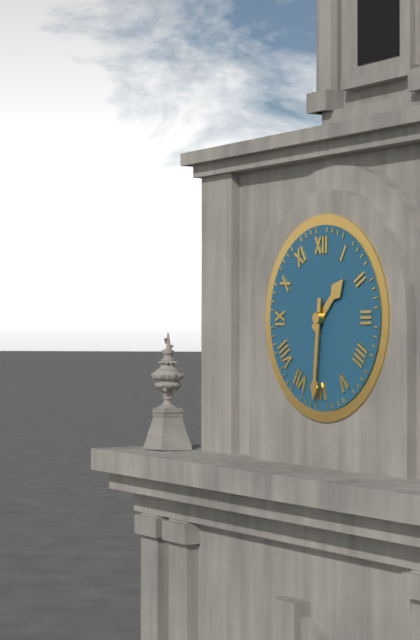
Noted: 1h31
